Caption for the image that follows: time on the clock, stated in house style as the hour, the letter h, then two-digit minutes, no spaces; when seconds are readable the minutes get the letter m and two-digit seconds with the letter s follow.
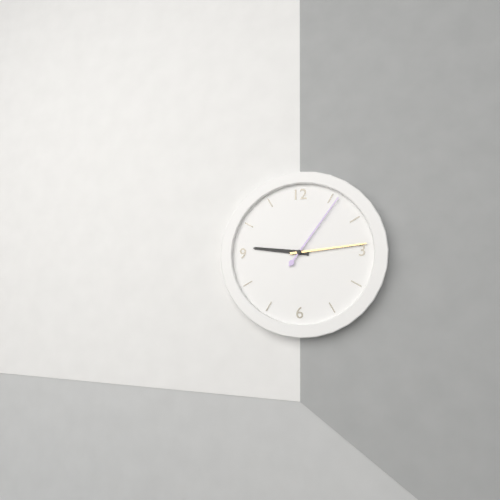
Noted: 9h14m06s
